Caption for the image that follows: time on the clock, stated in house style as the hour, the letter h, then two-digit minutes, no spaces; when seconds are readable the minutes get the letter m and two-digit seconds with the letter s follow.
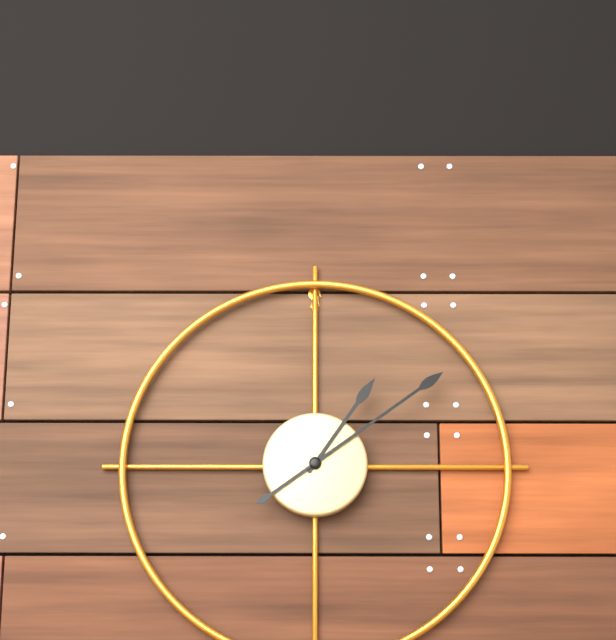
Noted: 1h09
